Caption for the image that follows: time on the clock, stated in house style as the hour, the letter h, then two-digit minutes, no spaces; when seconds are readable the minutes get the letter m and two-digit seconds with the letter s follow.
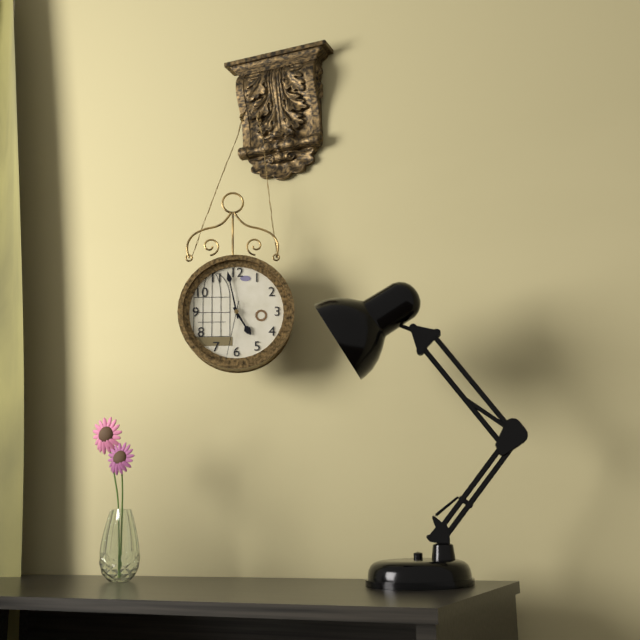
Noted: 4h58m32s
